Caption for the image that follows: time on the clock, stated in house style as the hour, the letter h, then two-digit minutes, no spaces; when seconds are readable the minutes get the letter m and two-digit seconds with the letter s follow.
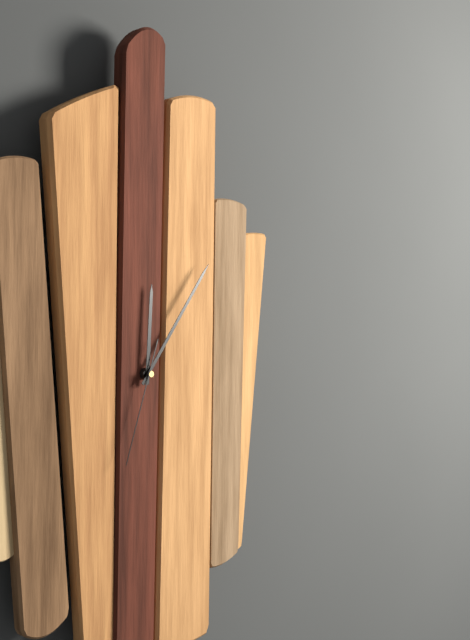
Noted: 12h06m33s
